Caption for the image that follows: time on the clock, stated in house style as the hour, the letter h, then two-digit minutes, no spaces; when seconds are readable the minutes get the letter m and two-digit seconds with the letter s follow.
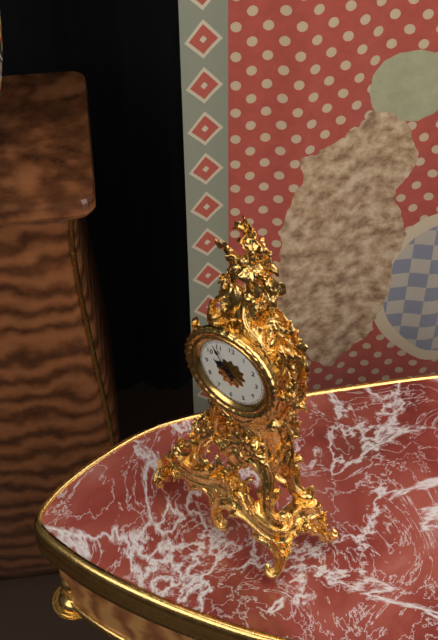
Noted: 9h54
